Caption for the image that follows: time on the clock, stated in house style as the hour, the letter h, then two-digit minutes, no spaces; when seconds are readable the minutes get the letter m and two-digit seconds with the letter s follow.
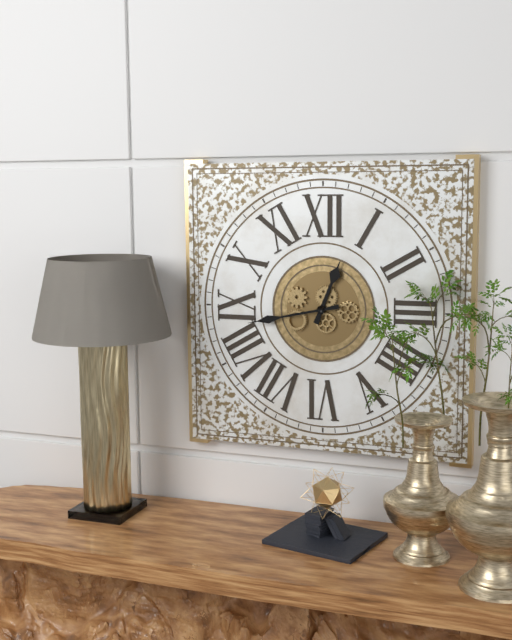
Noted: 12h43
